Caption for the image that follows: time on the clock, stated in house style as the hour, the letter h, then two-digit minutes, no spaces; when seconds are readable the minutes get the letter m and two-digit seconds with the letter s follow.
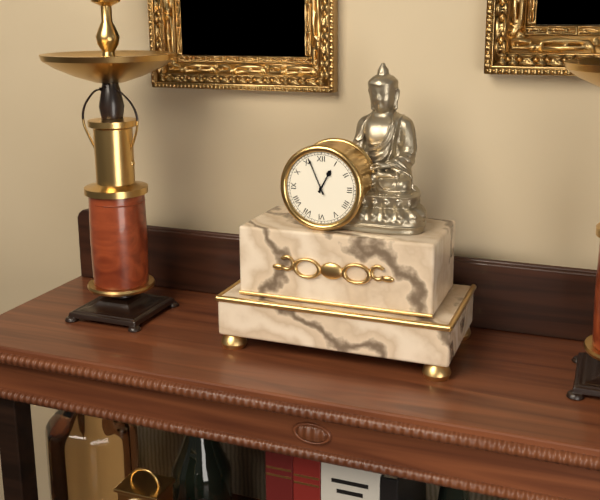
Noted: 12h56
